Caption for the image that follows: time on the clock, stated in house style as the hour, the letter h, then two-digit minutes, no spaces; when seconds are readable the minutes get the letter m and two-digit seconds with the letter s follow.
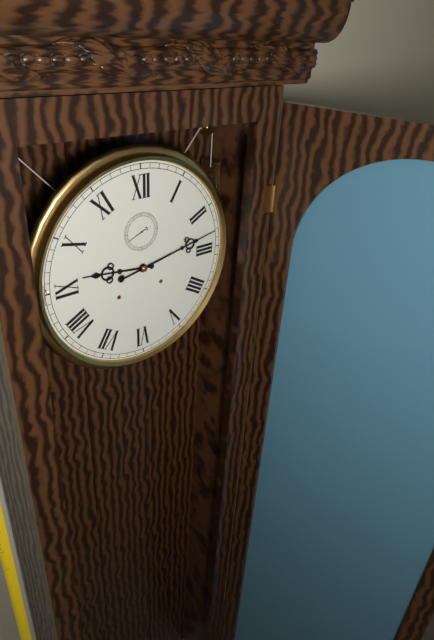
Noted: 9h13
